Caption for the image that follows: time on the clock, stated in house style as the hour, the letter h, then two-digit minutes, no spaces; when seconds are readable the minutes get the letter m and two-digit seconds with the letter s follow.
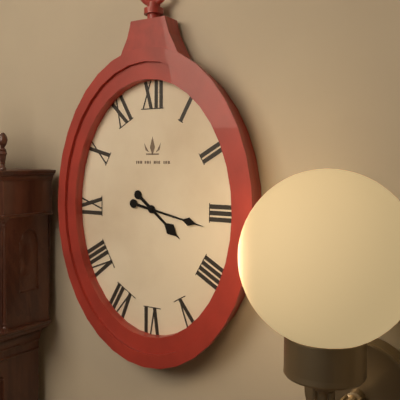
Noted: 4h17
